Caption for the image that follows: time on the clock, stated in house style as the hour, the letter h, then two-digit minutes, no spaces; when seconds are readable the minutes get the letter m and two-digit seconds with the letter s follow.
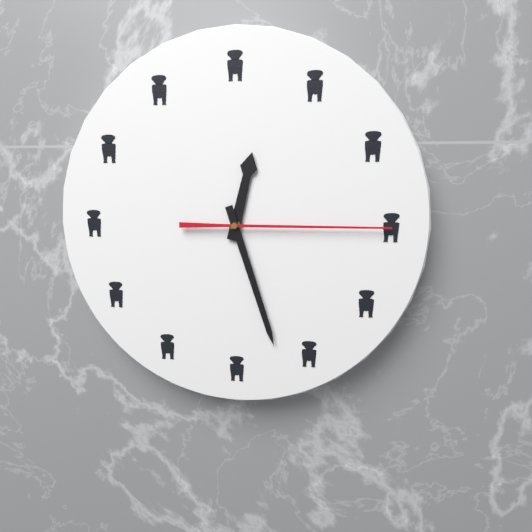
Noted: 12h27m15s
